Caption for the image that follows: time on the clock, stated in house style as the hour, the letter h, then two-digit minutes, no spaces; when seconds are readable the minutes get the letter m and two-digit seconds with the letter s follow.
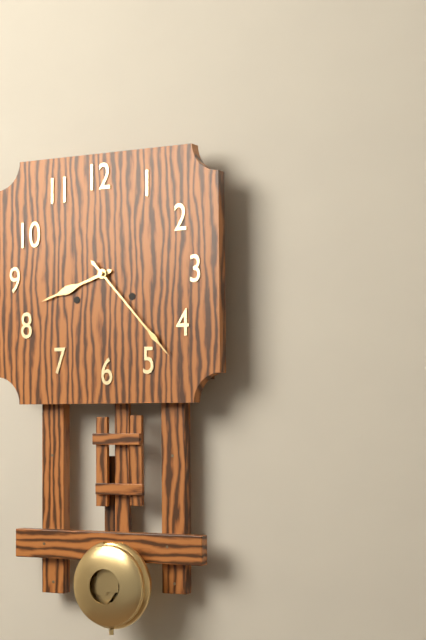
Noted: 8h23
